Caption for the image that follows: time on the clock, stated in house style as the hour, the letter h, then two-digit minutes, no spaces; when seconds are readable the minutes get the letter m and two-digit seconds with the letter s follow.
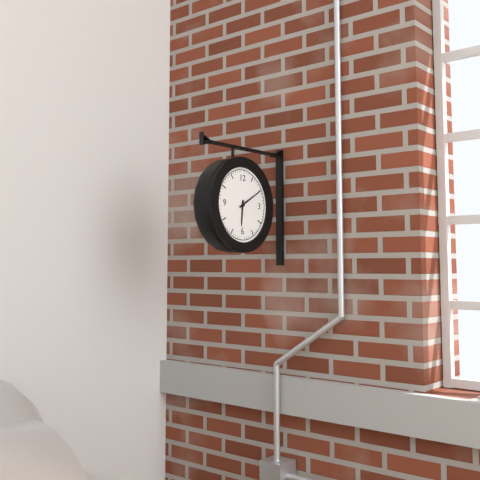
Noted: 6h10
